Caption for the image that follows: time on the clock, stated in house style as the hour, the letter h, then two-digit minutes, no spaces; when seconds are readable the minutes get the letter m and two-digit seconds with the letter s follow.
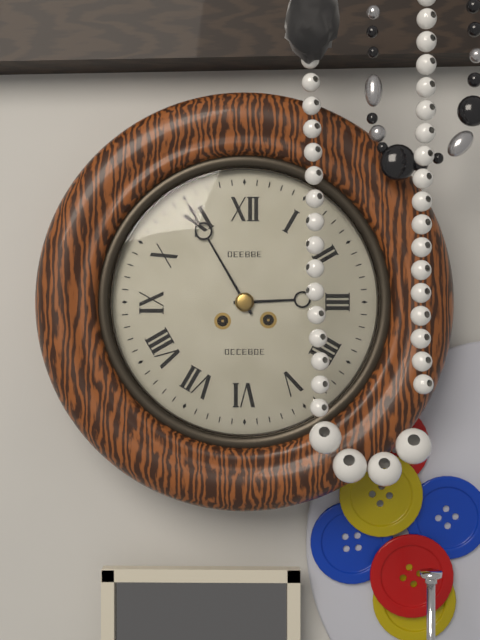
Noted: 2h55
